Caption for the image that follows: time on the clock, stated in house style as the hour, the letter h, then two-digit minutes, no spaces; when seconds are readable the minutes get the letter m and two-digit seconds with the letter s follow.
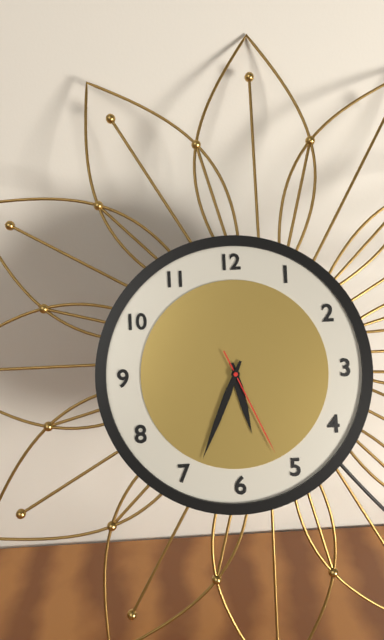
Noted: 5h34m26s
